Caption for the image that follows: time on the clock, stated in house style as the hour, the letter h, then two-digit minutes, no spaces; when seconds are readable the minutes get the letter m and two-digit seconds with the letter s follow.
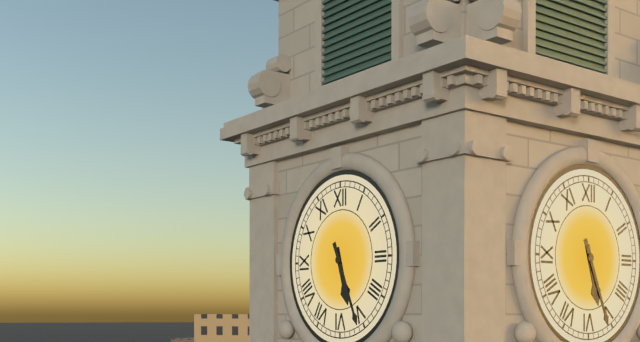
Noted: 5h26
